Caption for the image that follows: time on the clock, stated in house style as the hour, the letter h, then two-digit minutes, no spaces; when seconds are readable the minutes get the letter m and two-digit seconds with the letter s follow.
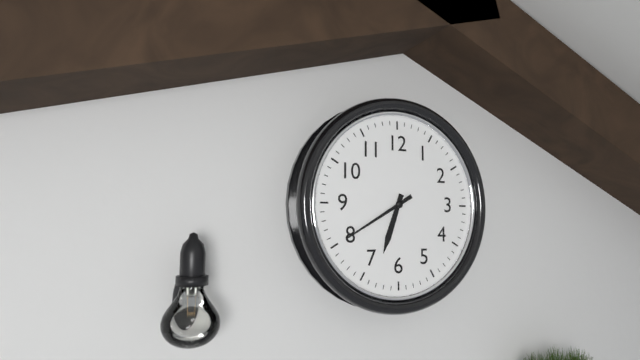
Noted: 6h40
